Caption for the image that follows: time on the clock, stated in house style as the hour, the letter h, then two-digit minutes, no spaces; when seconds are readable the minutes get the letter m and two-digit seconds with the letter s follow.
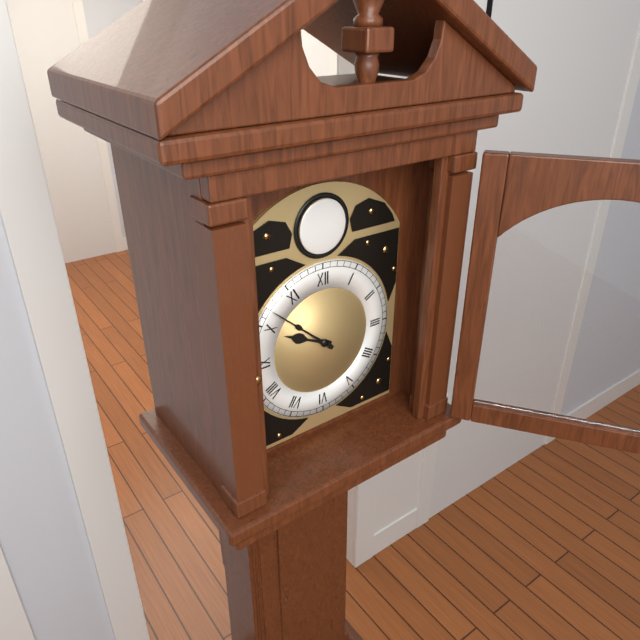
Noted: 9h52
